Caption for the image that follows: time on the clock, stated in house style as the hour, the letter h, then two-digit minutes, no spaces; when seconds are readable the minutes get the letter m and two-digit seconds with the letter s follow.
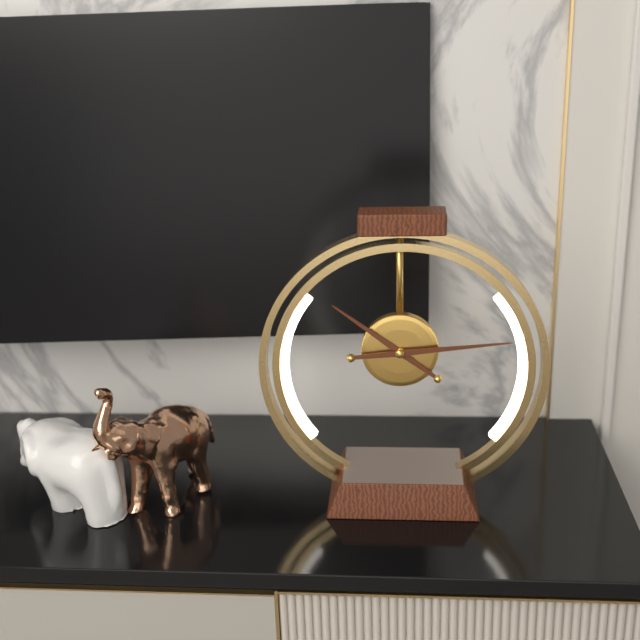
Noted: 10h14
